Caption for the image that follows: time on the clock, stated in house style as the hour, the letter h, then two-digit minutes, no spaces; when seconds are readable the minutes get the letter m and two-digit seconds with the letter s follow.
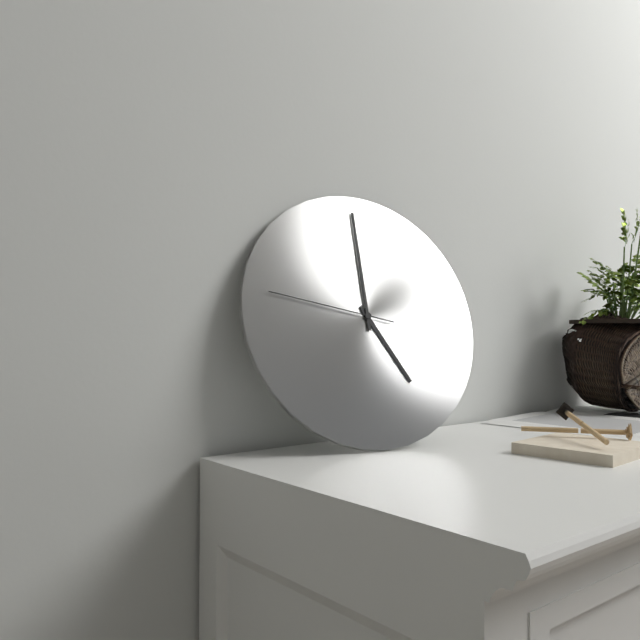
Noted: 5h00m47s
